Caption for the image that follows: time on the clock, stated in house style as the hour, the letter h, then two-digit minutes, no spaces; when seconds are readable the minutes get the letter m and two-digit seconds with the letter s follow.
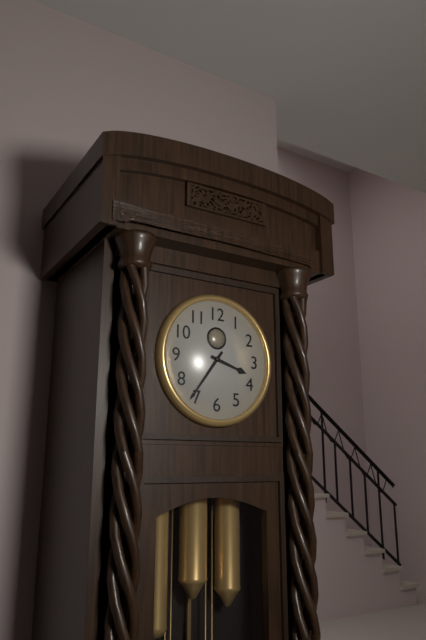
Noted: 3h36
